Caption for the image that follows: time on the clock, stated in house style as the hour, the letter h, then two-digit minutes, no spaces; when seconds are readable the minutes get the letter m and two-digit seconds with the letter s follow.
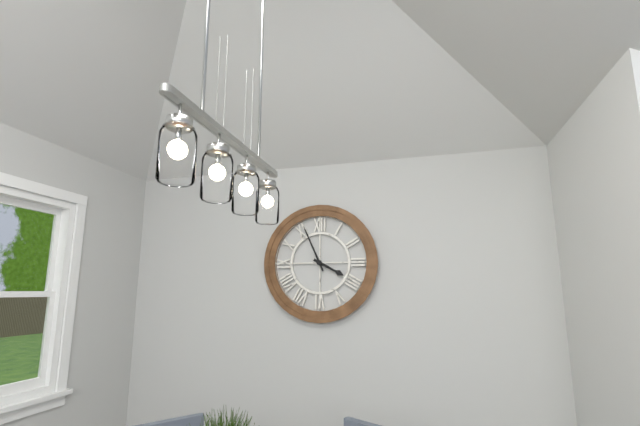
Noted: 3h56
